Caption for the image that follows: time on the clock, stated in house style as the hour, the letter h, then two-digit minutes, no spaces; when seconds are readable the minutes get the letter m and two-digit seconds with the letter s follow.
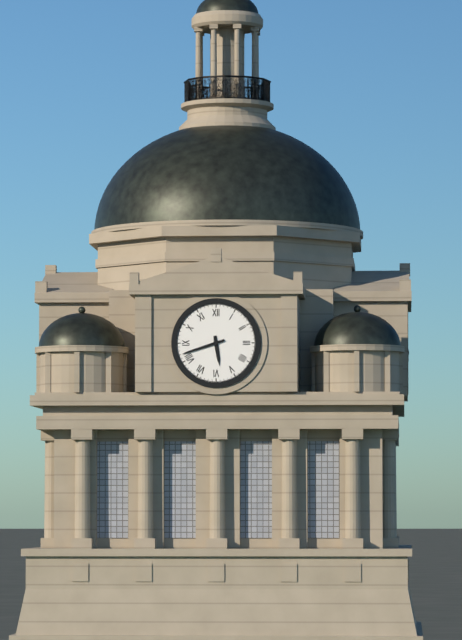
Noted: 5h42
